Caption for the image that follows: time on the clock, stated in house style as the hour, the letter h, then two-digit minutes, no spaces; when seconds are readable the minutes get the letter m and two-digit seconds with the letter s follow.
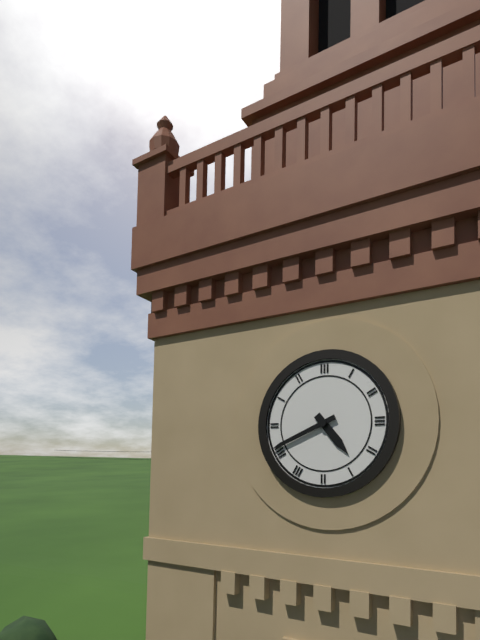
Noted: 4h41
